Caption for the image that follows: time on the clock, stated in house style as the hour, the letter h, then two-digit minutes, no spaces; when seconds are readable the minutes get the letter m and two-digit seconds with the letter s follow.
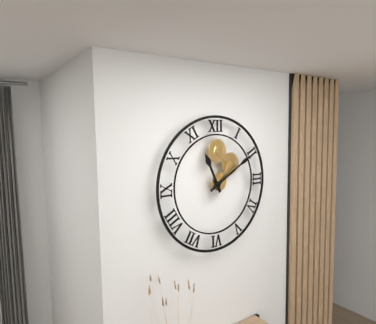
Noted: 11h10
